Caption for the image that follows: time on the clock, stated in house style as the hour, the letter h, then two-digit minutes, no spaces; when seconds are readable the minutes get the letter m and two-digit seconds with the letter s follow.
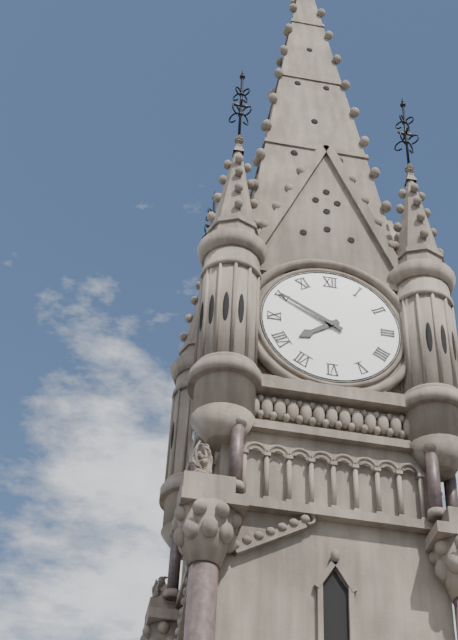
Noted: 7h50
